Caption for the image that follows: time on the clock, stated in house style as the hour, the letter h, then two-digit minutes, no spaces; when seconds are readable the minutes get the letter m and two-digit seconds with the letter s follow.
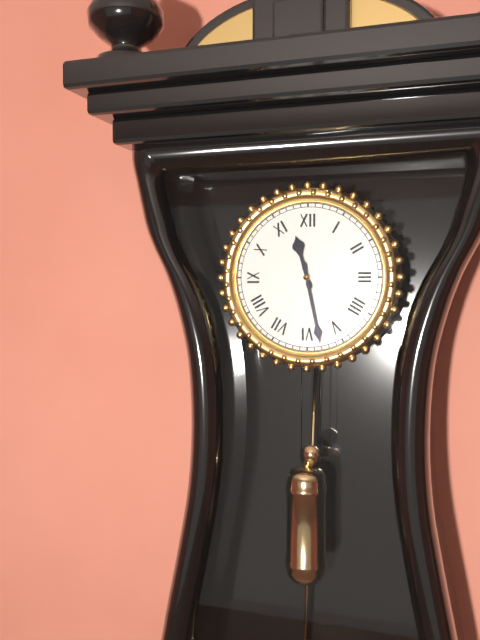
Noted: 11h28
